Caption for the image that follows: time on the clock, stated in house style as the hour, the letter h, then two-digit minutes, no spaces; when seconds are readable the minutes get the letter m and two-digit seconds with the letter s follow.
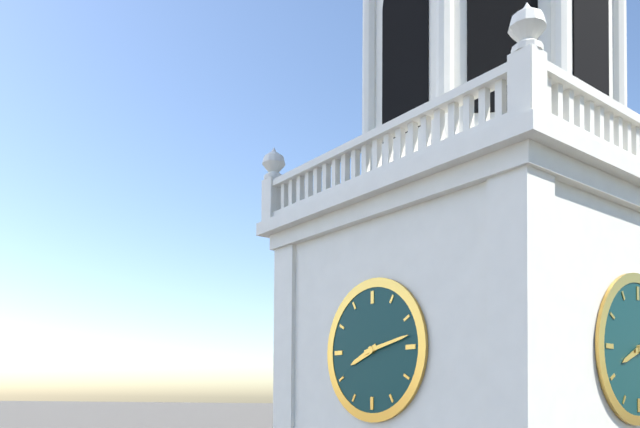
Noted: 8h13
